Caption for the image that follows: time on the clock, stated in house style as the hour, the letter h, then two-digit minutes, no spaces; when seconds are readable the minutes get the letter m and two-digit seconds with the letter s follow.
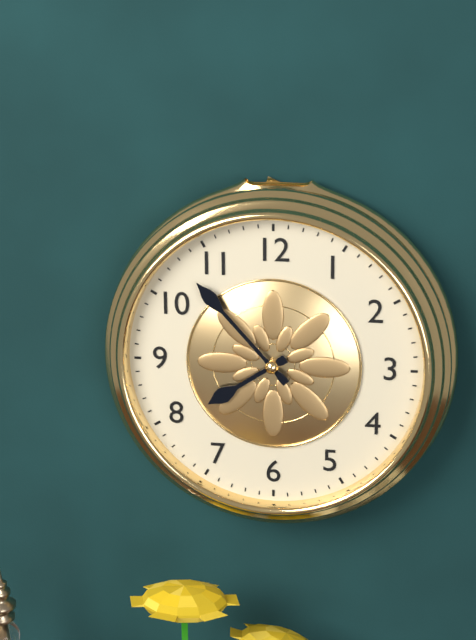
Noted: 7h53
